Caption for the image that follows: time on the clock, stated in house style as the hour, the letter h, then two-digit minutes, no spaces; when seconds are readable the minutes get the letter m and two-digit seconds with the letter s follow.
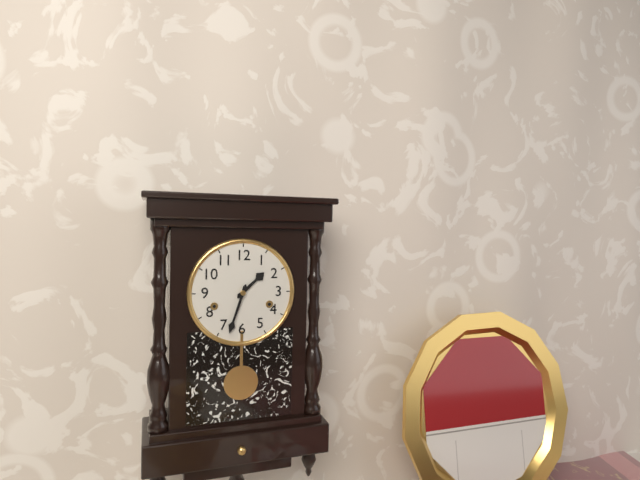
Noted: 1h33
